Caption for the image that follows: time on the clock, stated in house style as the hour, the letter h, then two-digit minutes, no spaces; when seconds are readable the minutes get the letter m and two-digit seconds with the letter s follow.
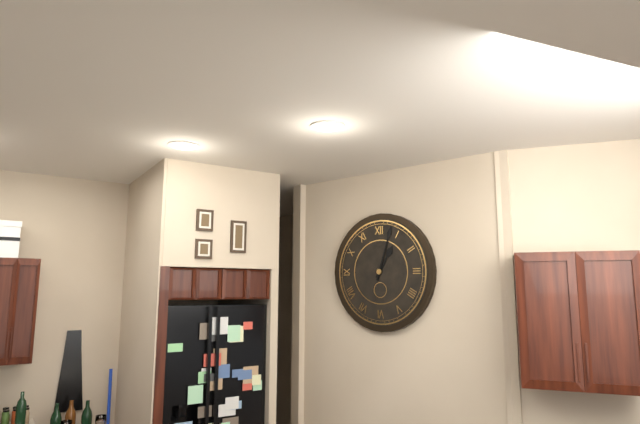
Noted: 1h03
